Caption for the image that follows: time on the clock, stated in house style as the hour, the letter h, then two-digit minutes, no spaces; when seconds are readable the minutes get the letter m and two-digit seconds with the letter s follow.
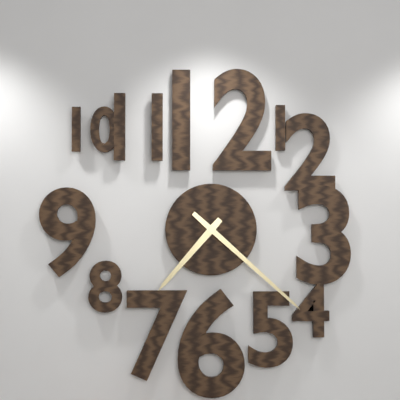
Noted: 7h22
